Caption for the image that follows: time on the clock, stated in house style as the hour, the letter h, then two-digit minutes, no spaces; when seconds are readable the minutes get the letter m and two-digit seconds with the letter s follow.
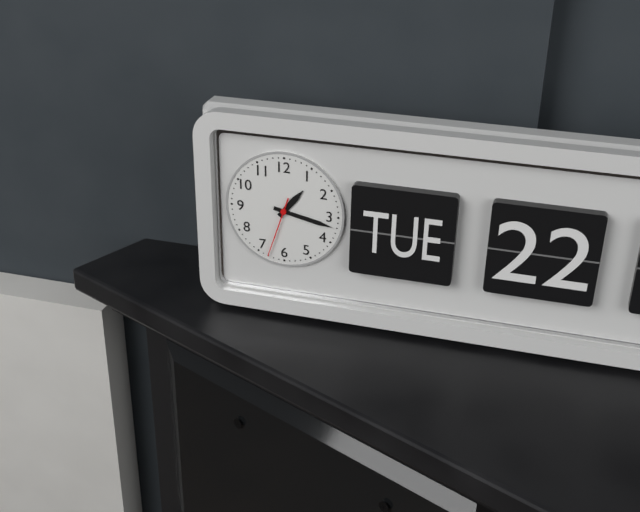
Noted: 1h17m33s
